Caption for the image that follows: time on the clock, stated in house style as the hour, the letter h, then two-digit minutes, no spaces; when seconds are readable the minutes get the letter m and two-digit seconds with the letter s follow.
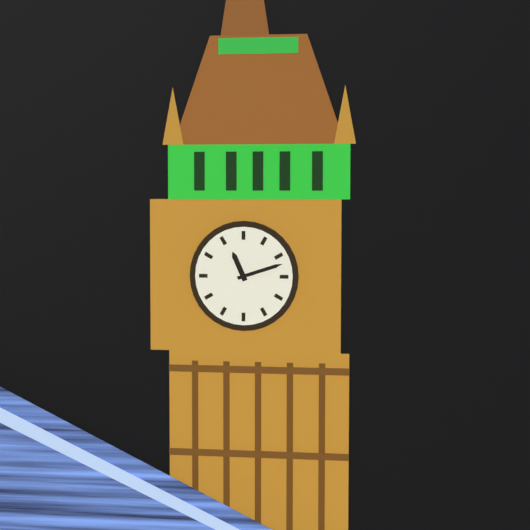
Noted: 11h12
